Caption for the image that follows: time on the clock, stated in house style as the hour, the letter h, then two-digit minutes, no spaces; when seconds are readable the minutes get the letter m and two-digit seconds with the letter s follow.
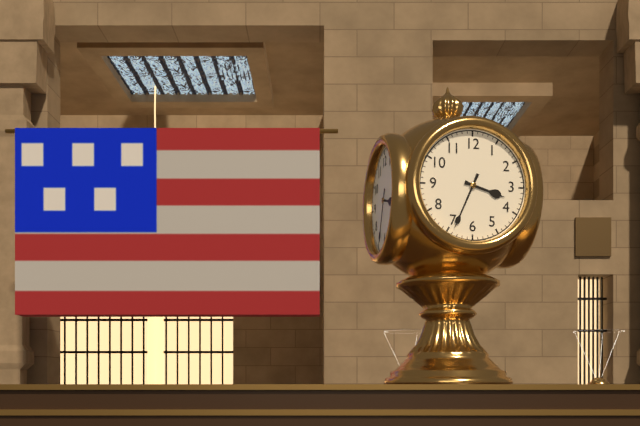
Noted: 3h34
